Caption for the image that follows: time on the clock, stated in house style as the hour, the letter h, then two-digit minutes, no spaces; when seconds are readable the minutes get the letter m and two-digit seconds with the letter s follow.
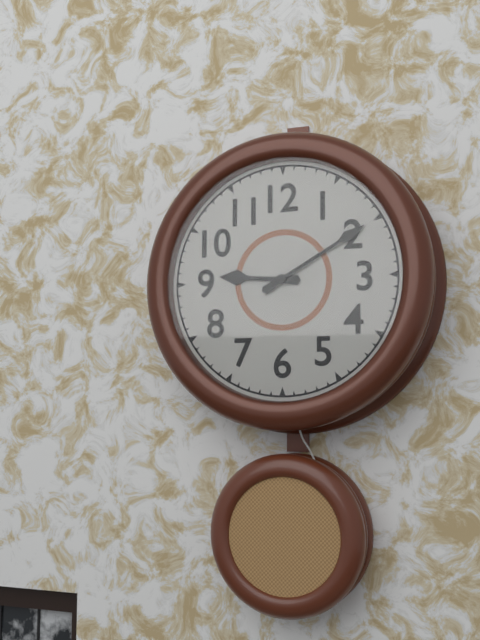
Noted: 9h10
